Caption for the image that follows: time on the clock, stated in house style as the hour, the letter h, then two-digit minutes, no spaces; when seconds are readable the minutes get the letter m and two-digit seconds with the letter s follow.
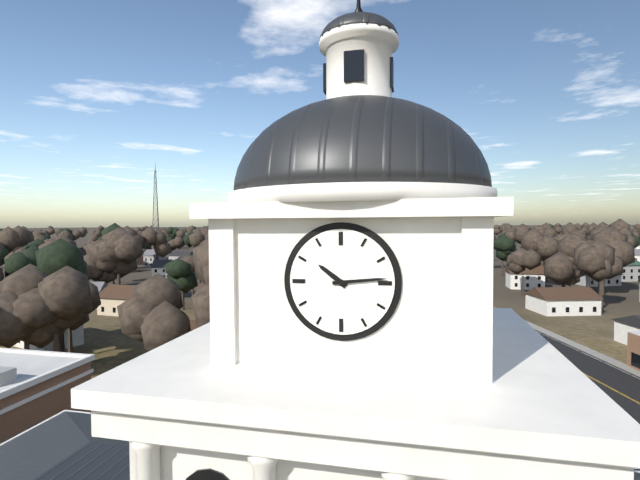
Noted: 10h14
